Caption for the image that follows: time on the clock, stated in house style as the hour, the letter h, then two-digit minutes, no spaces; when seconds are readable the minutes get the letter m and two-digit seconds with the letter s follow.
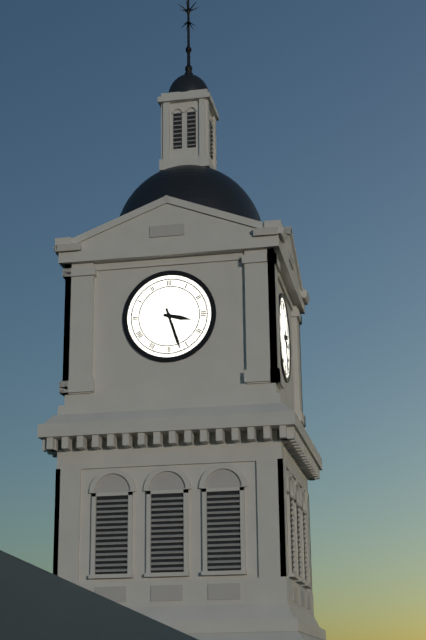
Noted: 3h27
